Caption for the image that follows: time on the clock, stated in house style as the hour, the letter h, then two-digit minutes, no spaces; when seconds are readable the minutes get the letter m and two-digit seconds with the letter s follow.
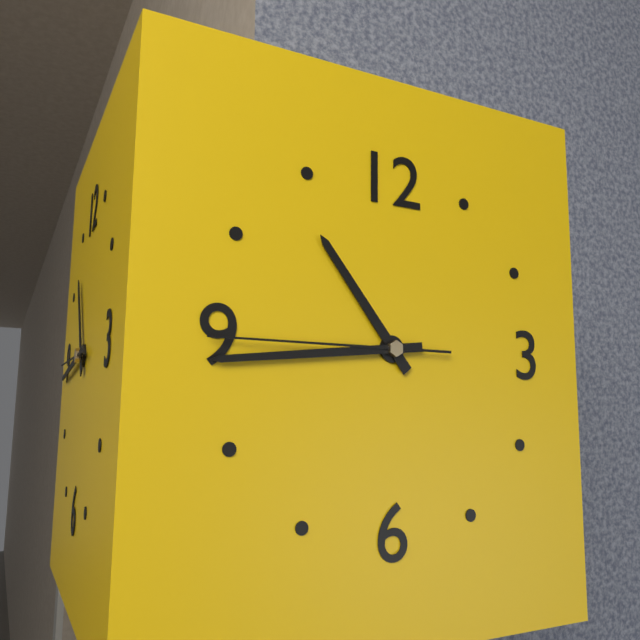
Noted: 10h44m45s
